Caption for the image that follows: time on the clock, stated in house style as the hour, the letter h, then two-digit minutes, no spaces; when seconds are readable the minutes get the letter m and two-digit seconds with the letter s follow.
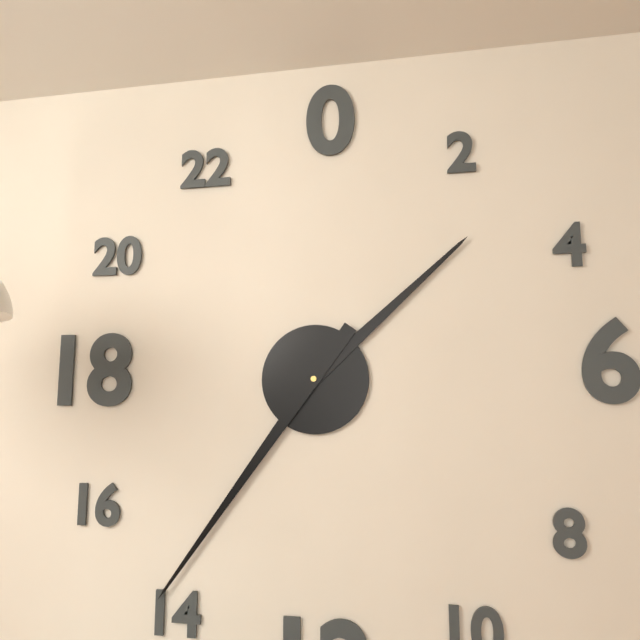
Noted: 1h36
